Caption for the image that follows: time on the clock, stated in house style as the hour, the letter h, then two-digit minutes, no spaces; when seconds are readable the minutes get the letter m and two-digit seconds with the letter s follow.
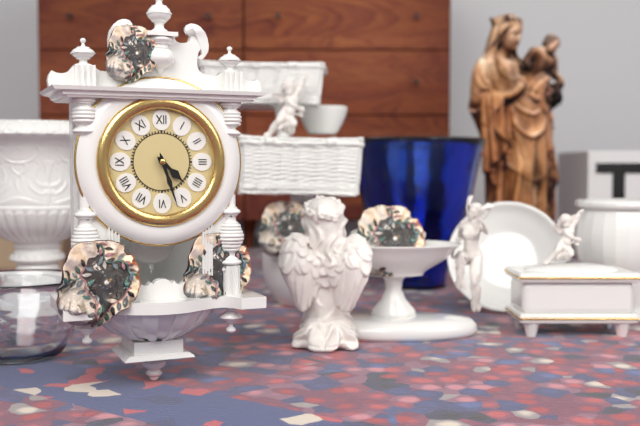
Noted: 4h27
